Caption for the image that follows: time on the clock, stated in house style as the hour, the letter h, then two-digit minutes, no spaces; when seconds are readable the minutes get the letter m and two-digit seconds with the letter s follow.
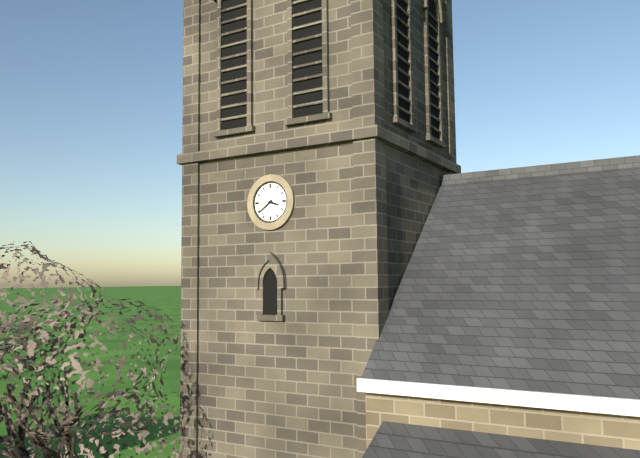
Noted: 3h39
